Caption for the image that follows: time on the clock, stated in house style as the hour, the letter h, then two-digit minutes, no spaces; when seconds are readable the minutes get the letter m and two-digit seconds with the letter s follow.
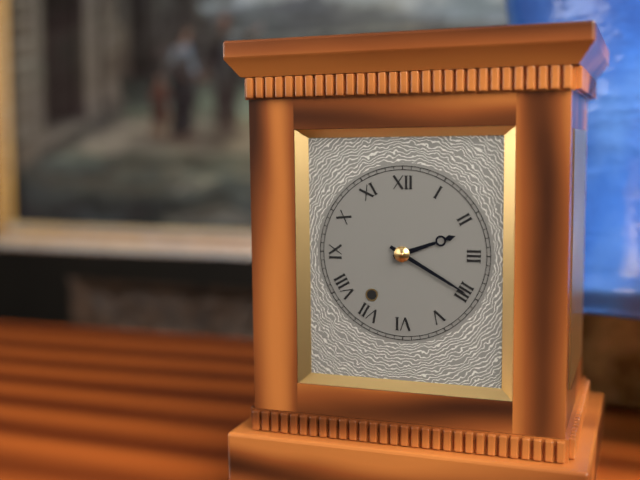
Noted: 2h20
